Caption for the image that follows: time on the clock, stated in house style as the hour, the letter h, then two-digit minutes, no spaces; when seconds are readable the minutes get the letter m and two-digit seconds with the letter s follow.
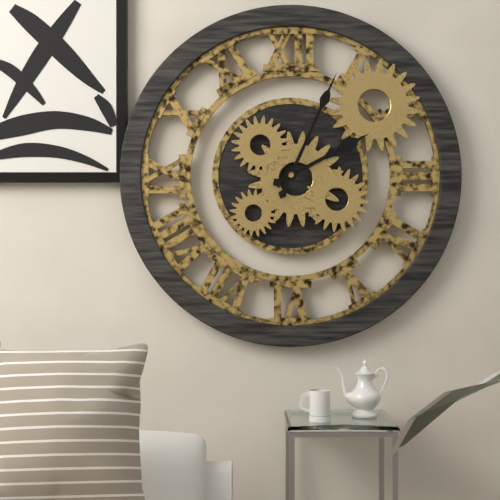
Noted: 2h04
